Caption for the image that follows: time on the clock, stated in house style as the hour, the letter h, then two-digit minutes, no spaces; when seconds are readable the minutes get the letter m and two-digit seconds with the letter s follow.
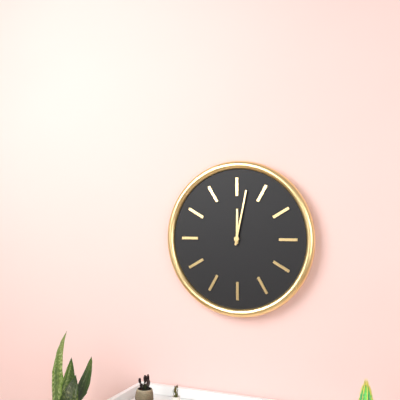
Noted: 12h02
